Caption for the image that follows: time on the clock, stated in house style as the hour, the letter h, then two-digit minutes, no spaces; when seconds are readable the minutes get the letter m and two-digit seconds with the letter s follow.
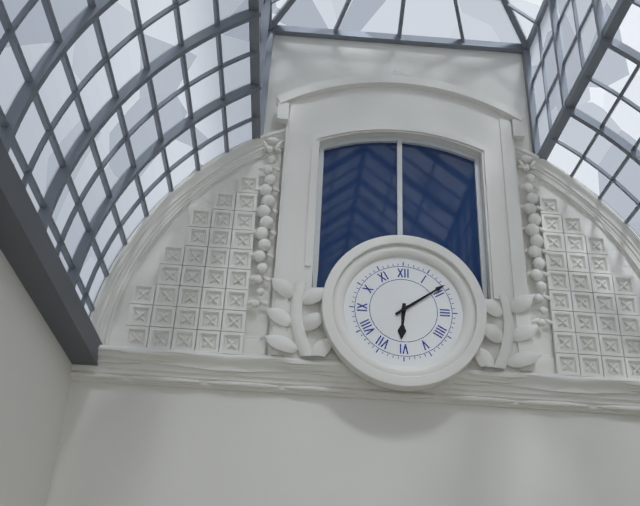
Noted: 6h09
